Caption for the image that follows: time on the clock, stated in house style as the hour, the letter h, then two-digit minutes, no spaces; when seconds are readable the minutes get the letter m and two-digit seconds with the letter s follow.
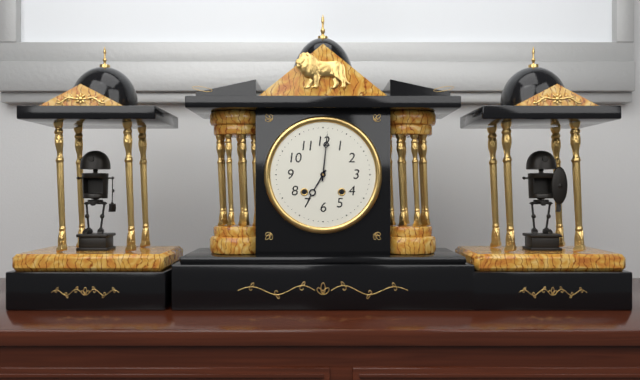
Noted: 7h01
